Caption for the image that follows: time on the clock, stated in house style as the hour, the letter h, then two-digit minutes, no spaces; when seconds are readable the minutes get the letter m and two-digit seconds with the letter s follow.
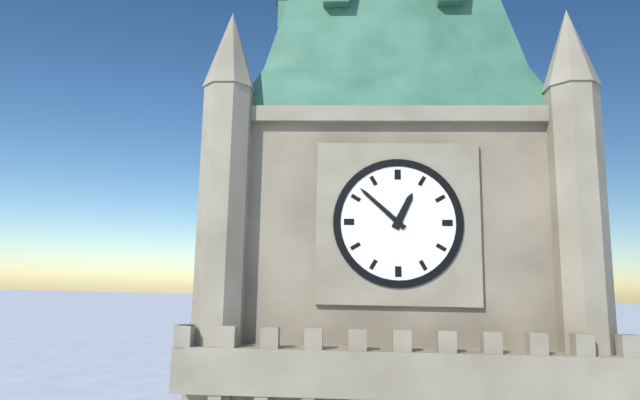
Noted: 12h52
